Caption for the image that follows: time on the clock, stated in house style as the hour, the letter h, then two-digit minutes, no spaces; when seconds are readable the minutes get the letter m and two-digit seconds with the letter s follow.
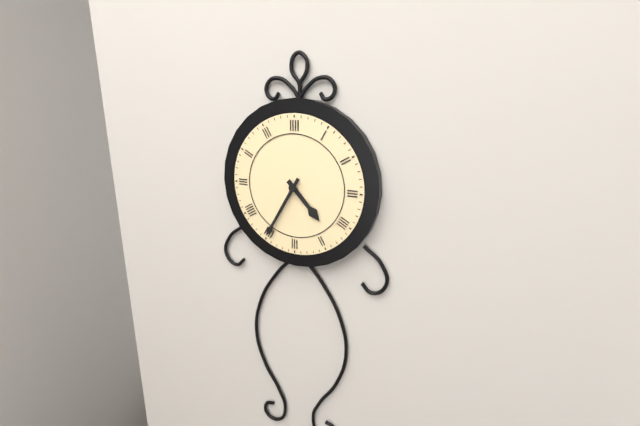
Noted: 4h35
